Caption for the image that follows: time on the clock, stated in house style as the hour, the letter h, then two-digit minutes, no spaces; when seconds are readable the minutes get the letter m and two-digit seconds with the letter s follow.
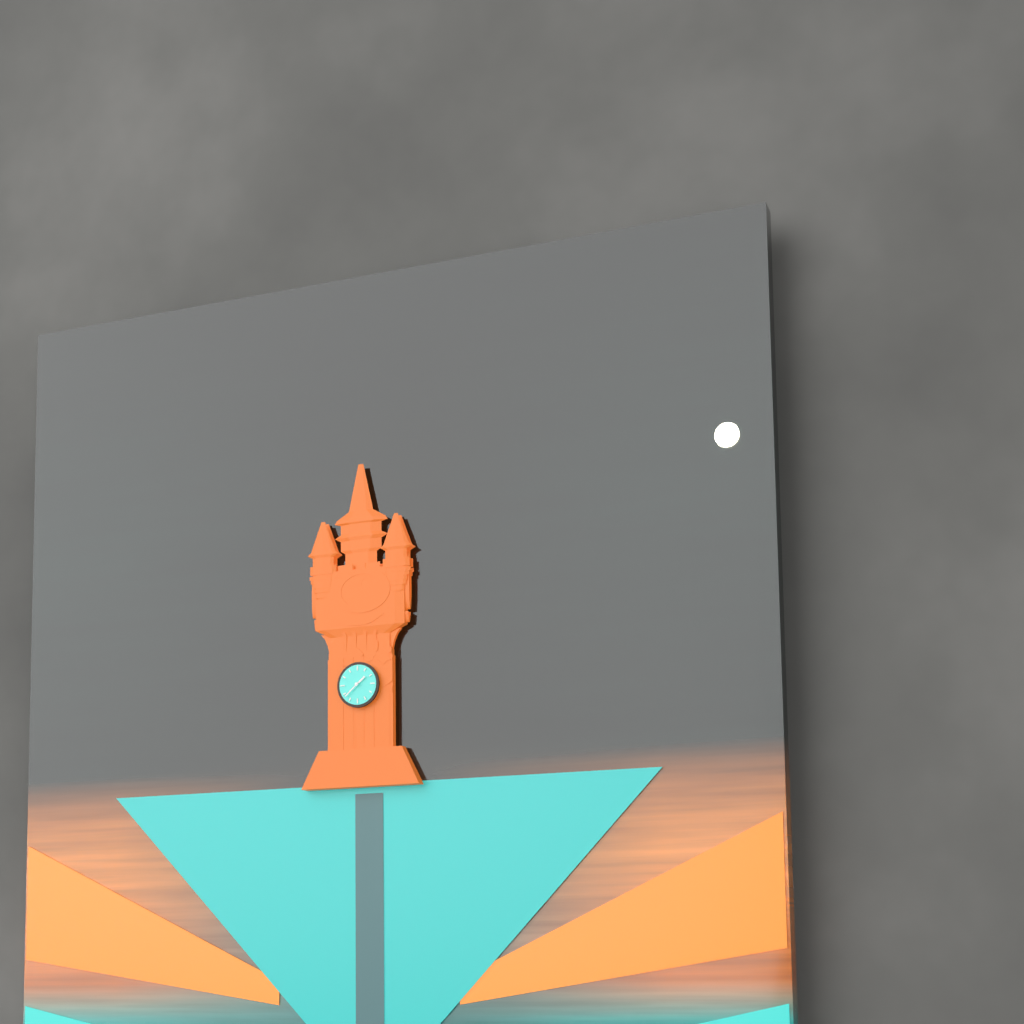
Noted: 1h38
